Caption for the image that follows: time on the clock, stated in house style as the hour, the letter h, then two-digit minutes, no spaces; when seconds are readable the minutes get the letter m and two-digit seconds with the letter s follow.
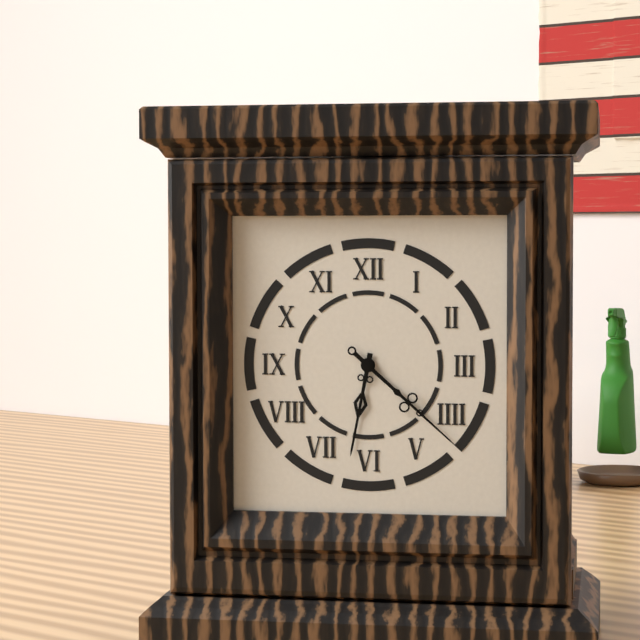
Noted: 6h22
